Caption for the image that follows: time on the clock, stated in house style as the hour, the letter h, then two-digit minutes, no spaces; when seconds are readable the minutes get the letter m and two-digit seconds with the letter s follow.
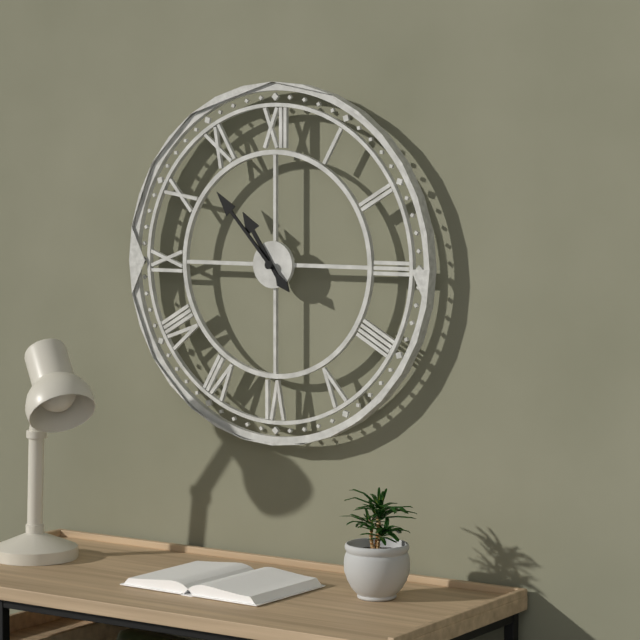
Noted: 10h53
